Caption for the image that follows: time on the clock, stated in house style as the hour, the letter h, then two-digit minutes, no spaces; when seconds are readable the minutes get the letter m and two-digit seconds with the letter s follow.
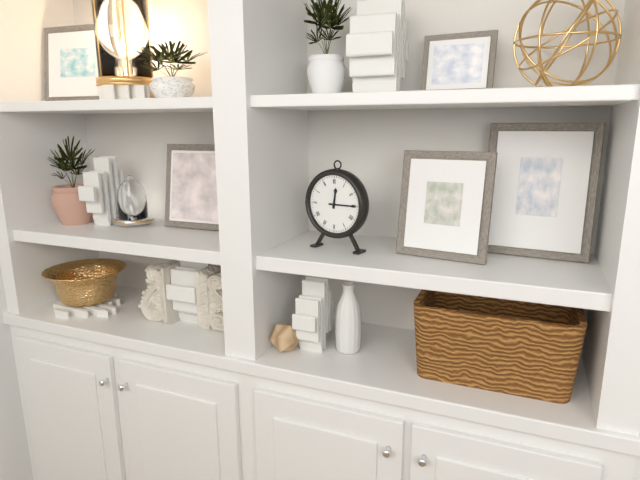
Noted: 12h15
